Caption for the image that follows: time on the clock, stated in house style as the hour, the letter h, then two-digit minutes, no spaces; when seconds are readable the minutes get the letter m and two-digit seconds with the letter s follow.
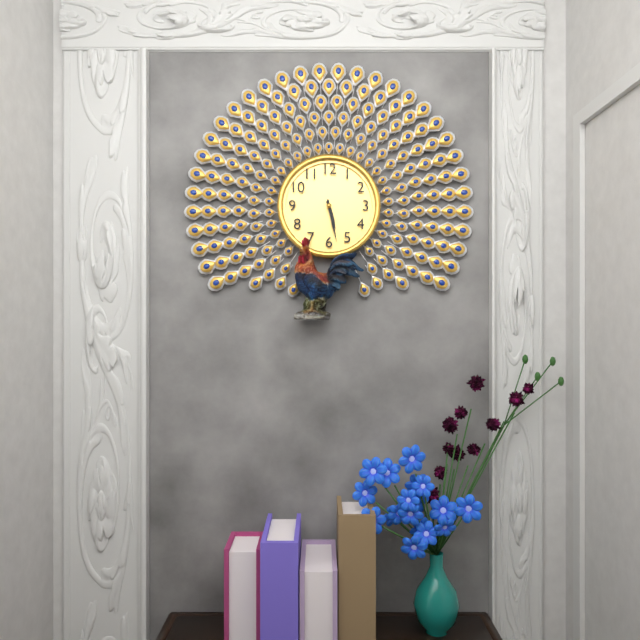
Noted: 5h28
